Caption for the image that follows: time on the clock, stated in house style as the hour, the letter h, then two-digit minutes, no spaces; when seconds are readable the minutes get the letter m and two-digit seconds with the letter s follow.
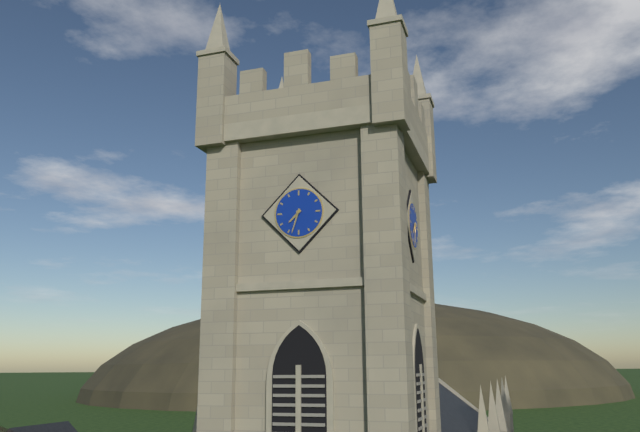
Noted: 7h33
